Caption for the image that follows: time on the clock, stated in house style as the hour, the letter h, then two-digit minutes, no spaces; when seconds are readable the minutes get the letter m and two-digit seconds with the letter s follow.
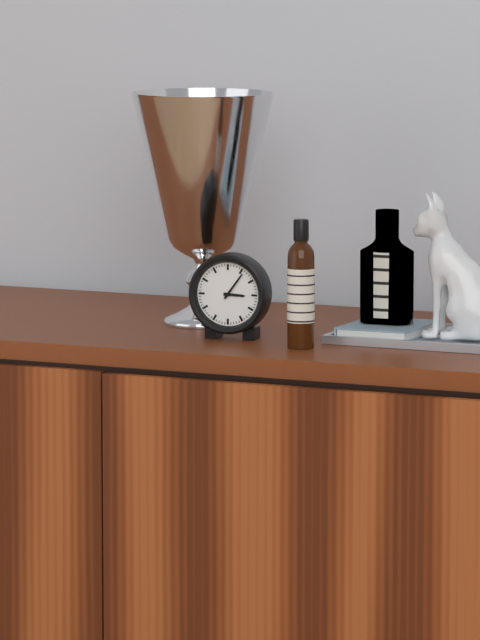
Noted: 3h06
